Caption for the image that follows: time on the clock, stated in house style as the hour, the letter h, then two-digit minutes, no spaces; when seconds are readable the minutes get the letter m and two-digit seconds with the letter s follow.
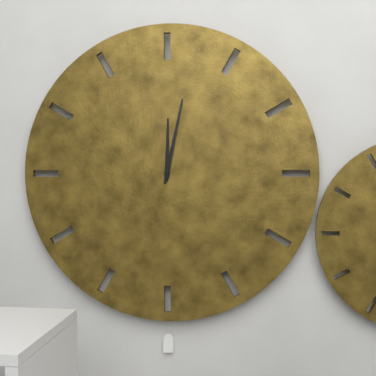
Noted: 12h02
